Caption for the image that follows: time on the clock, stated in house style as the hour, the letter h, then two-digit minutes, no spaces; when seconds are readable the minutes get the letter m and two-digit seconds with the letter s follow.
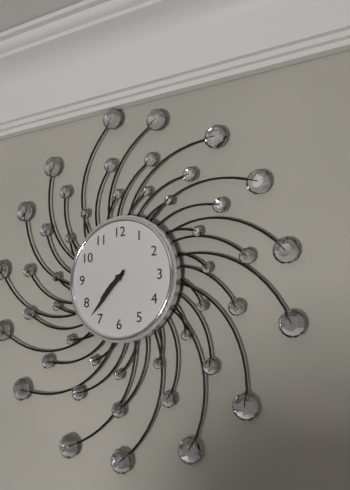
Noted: 7h37
